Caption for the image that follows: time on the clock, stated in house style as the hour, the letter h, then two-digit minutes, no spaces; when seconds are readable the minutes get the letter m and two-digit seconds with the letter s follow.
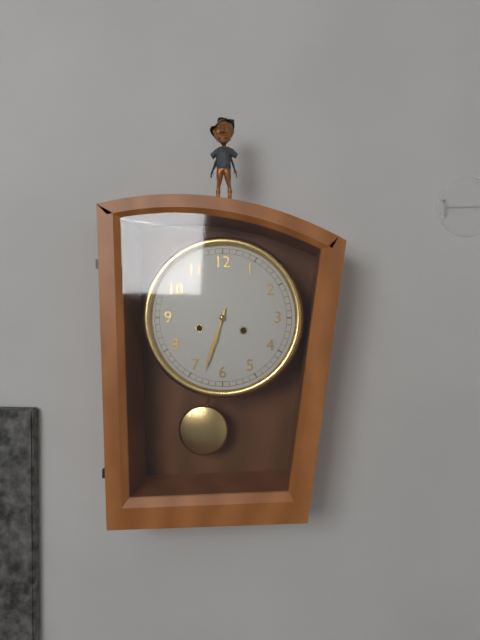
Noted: 6h33
